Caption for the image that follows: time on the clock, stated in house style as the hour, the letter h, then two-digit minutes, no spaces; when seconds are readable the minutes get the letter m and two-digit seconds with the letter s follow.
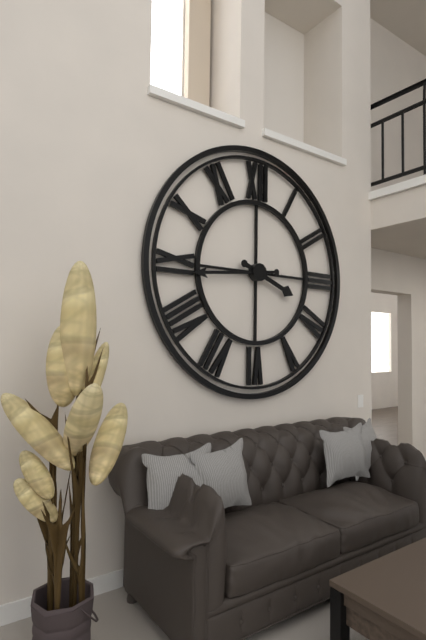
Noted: 3h44
